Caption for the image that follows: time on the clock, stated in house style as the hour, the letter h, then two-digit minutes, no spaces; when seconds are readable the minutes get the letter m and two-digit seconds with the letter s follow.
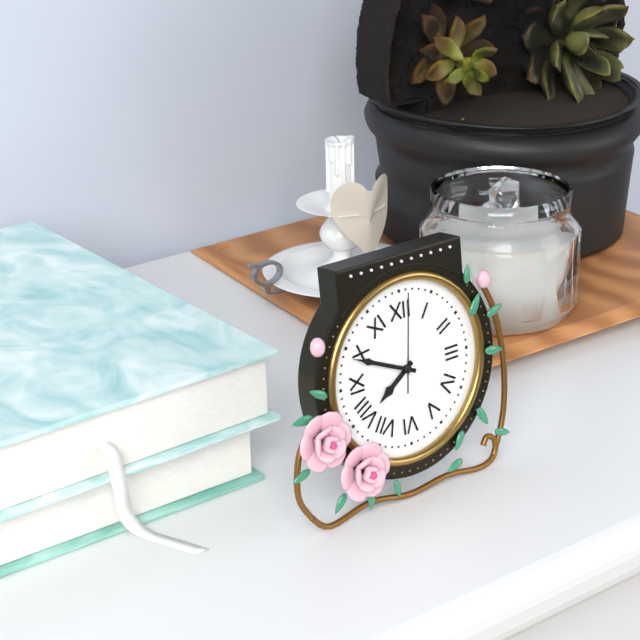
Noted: 7h49m01s
